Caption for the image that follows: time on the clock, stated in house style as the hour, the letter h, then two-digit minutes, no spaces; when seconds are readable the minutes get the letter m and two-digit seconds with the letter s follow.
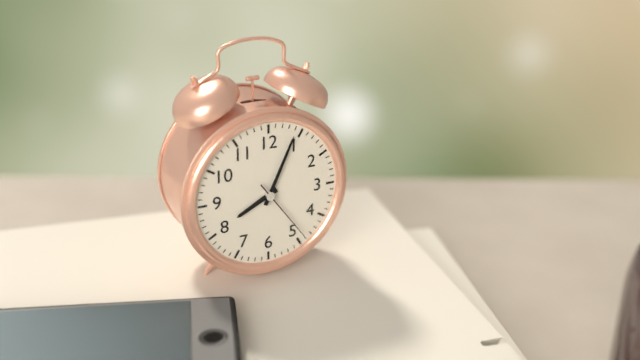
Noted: 8h04m24s
